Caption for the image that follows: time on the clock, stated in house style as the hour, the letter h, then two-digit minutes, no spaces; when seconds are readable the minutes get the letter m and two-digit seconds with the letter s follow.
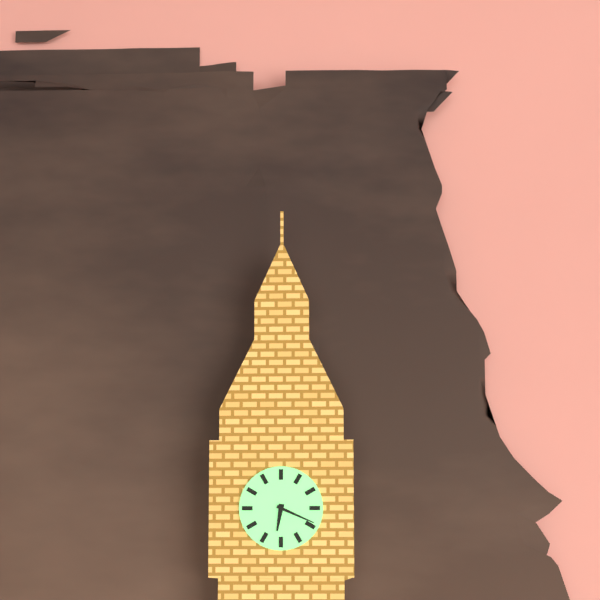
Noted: 6h19
